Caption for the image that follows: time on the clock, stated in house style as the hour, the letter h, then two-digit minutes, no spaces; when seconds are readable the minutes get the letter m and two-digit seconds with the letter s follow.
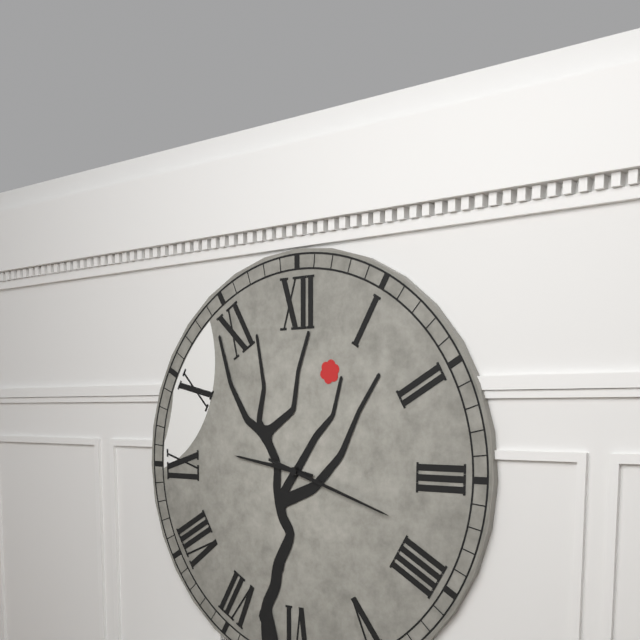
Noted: 9h18
